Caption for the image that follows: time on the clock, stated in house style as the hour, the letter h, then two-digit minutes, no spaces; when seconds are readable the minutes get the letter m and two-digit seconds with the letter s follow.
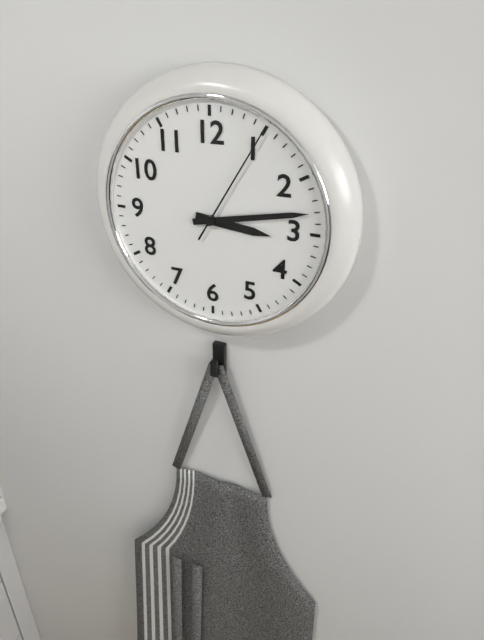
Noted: 3h13m05s
